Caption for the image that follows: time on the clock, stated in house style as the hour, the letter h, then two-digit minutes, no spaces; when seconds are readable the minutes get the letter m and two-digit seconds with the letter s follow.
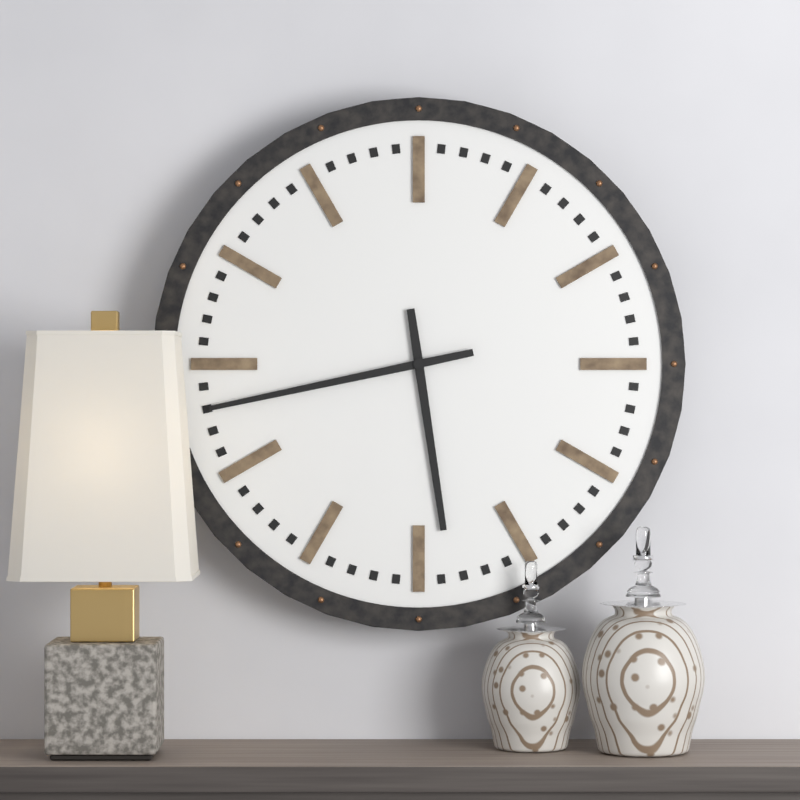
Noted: 5h43
